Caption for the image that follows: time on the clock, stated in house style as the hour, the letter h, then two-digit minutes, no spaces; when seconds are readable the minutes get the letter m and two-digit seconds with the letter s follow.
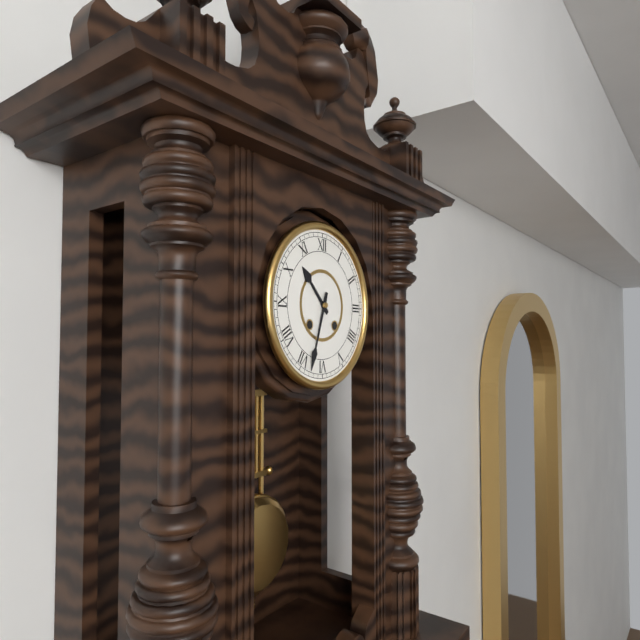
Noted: 10h33
